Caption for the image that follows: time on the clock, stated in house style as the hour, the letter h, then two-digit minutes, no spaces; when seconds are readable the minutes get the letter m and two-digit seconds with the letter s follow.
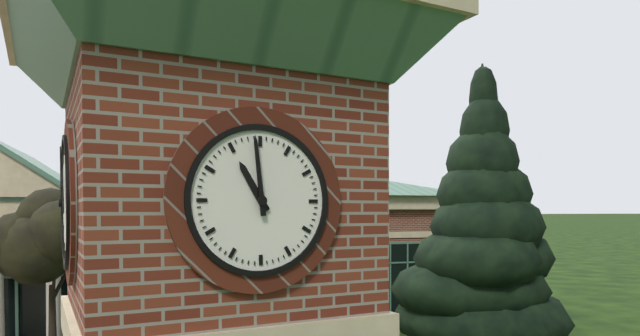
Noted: 10h59
